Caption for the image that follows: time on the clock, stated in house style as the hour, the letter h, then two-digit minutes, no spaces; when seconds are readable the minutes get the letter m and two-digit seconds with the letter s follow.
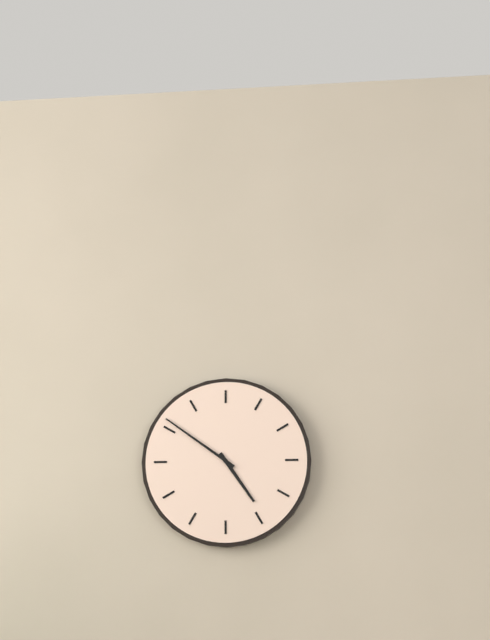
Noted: 4h51
